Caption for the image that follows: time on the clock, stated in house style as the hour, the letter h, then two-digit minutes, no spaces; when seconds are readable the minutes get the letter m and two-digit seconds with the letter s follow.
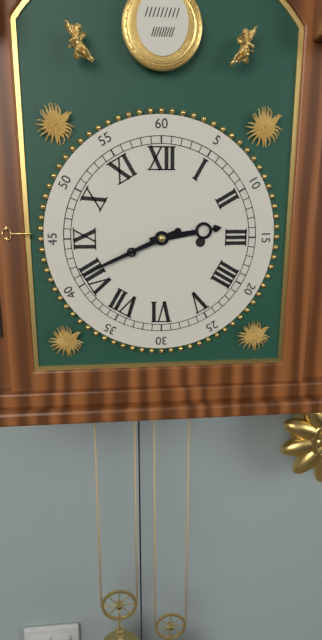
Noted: 2h41
